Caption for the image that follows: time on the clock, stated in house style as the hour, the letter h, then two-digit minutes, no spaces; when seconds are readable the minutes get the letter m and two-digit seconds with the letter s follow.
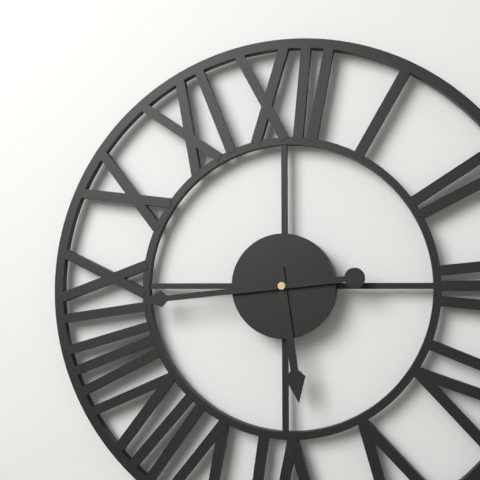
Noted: 5h44
